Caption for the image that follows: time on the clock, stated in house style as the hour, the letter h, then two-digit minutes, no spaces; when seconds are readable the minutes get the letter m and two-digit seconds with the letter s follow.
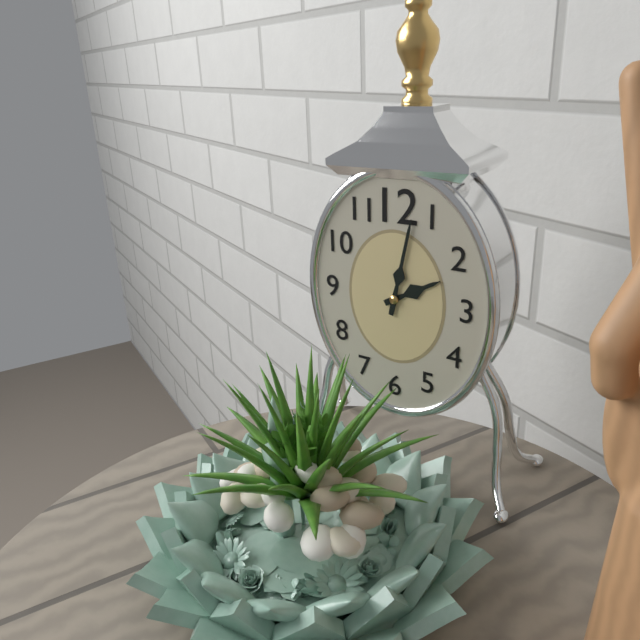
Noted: 2h02
